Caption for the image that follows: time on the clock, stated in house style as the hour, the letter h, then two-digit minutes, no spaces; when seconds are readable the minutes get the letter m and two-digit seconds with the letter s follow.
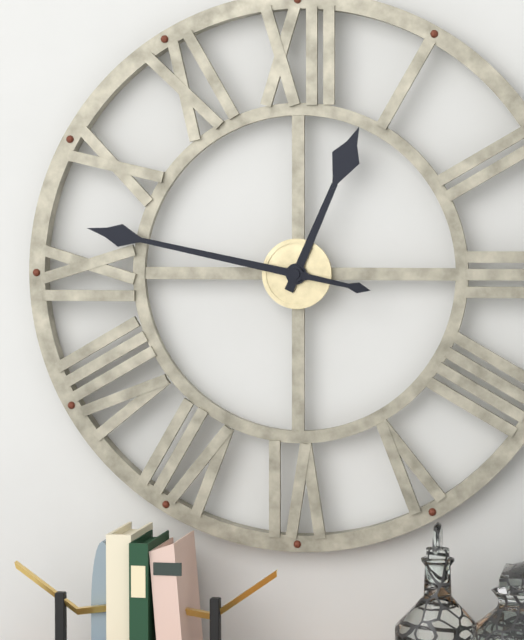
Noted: 12h47
